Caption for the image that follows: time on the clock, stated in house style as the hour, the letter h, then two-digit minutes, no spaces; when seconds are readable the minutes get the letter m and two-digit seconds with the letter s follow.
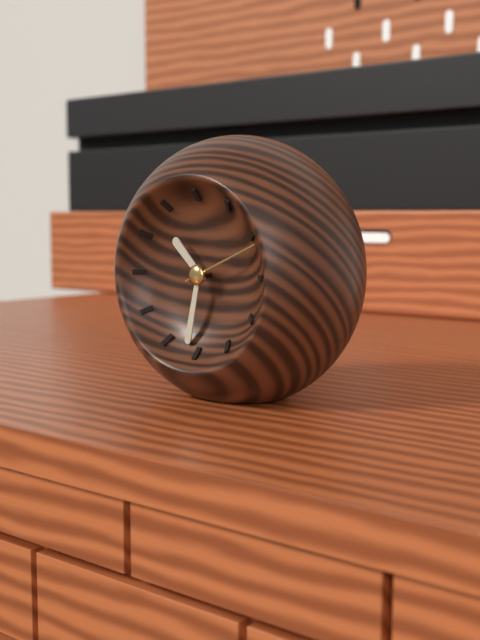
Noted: 10h32m11s
